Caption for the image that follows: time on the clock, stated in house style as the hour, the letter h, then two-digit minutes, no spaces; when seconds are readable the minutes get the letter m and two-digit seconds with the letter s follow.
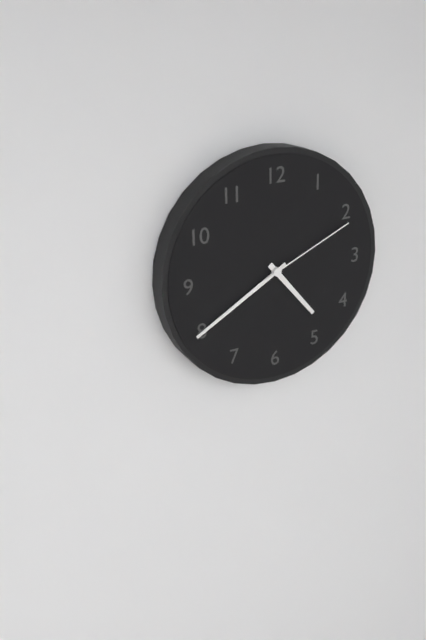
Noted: 4h40m11s
